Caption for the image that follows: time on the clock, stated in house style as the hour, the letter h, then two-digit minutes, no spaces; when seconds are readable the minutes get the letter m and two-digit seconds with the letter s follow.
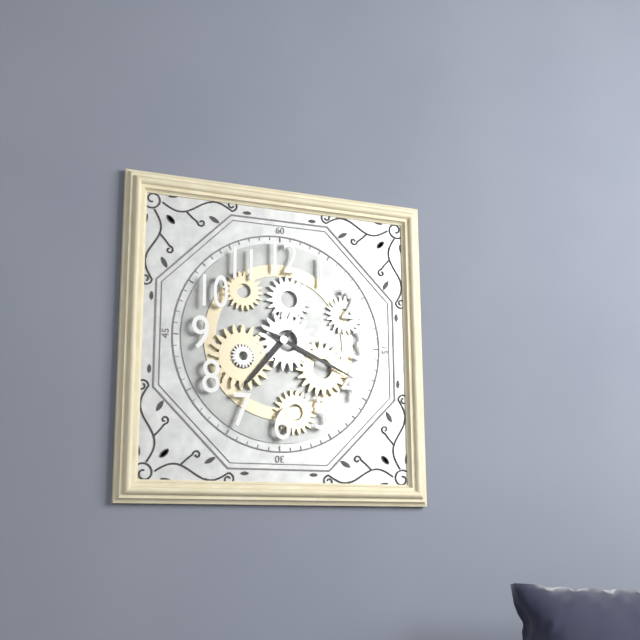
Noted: 7h19
